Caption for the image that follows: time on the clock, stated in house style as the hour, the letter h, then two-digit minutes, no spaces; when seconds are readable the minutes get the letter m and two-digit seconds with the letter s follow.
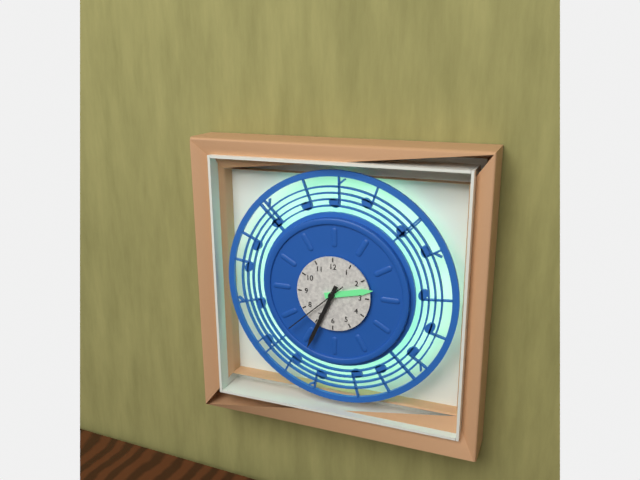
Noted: 2h34m38s
